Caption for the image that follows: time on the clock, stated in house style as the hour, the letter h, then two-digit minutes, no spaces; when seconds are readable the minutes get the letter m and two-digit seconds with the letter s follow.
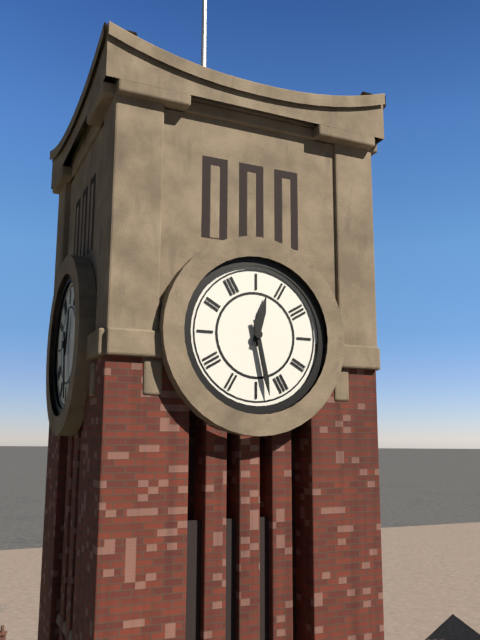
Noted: 12h28
